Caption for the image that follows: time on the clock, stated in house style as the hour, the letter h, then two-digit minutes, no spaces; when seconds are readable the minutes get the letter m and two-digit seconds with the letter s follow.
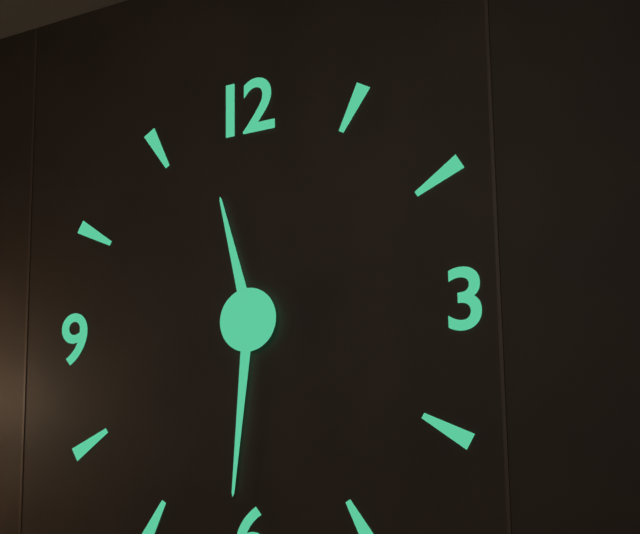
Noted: 11h31
